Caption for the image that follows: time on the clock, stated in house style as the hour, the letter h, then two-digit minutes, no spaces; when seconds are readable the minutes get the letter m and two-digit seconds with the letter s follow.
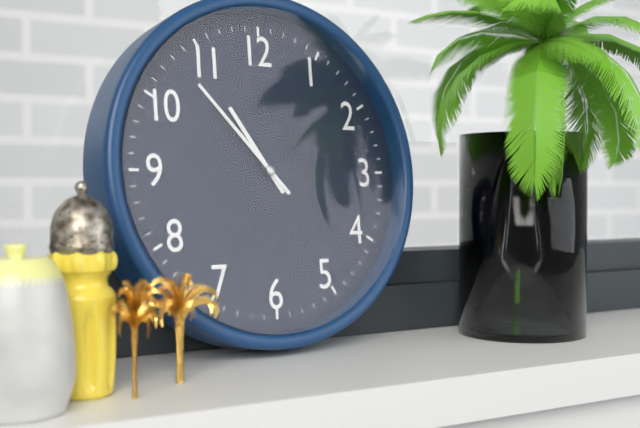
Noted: 10h53
